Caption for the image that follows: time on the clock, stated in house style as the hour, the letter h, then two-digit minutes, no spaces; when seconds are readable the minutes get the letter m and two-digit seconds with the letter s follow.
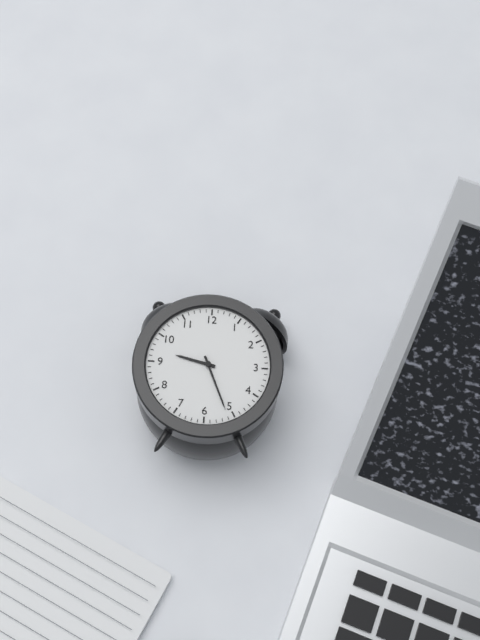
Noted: 9h26
